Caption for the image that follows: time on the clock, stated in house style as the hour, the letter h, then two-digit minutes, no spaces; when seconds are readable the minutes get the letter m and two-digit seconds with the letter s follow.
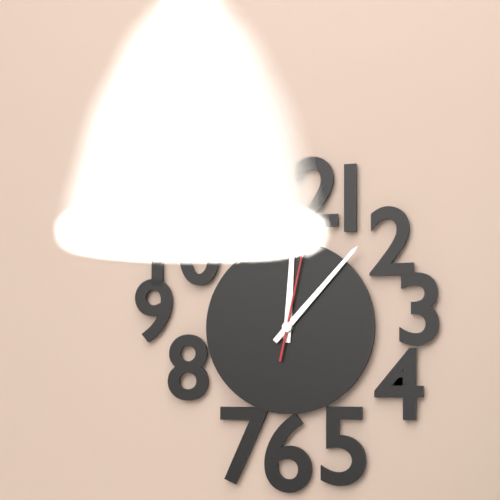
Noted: 12h07m02s
